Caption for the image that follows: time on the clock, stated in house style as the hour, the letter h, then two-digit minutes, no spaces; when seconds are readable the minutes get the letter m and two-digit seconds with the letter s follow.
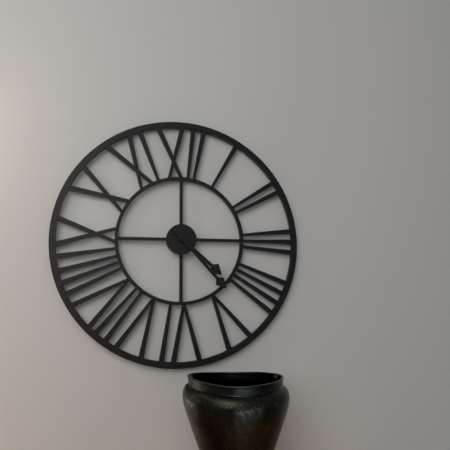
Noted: 4h23
